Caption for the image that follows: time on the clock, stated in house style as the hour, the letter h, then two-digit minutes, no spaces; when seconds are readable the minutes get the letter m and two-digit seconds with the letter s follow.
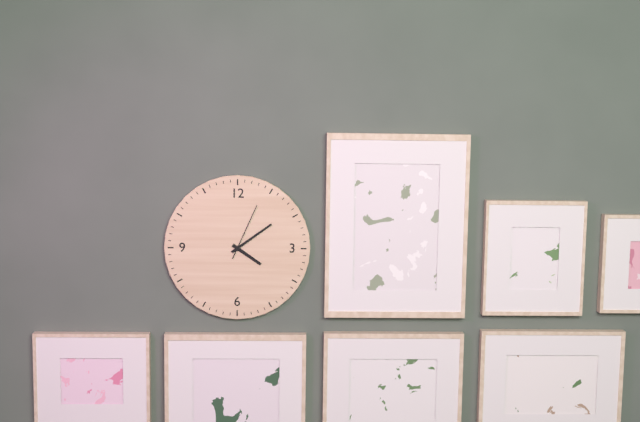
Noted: 4h09m04s
